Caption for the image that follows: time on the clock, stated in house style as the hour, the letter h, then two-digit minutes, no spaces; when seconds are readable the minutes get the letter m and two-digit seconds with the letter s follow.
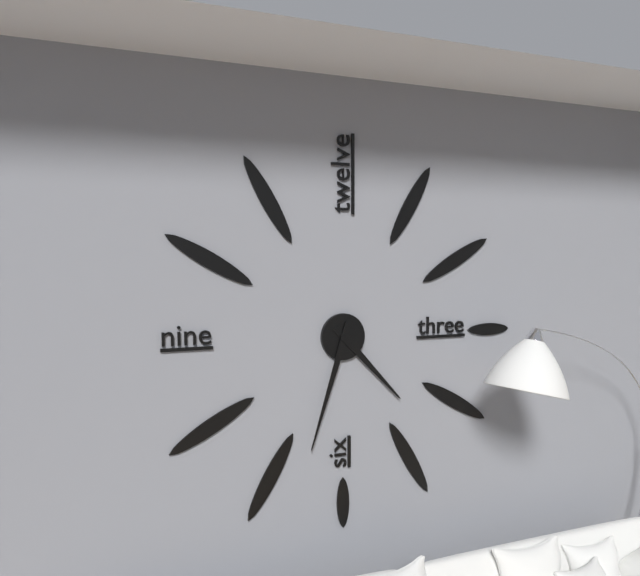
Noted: 4h33
